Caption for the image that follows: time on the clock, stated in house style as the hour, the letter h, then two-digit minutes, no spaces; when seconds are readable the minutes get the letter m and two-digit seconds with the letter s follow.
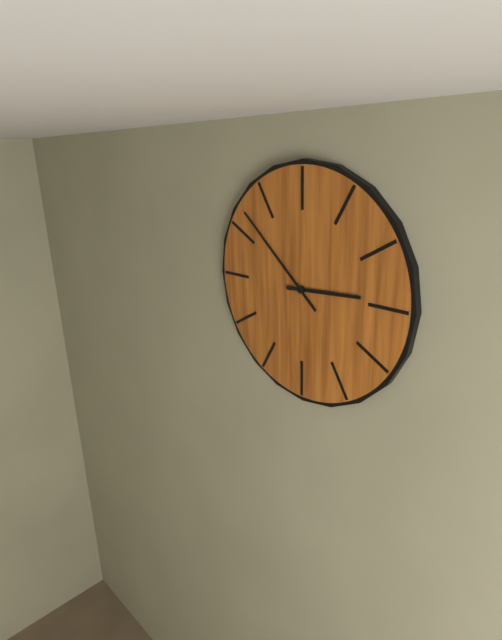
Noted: 2h52
